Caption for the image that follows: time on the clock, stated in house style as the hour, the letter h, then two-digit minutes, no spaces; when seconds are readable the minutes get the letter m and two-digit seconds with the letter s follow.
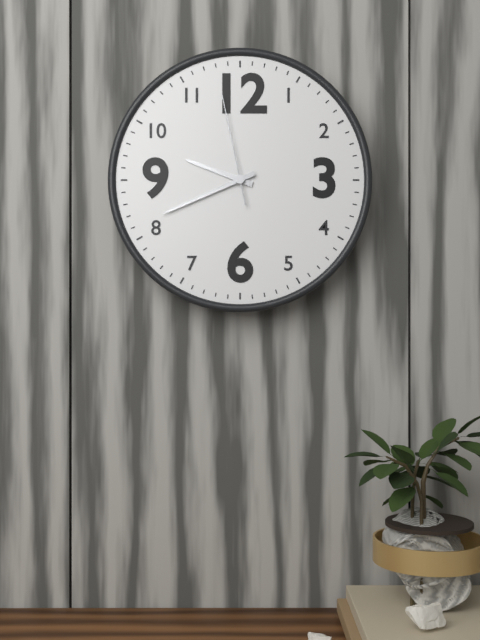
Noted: 9h41m58s
